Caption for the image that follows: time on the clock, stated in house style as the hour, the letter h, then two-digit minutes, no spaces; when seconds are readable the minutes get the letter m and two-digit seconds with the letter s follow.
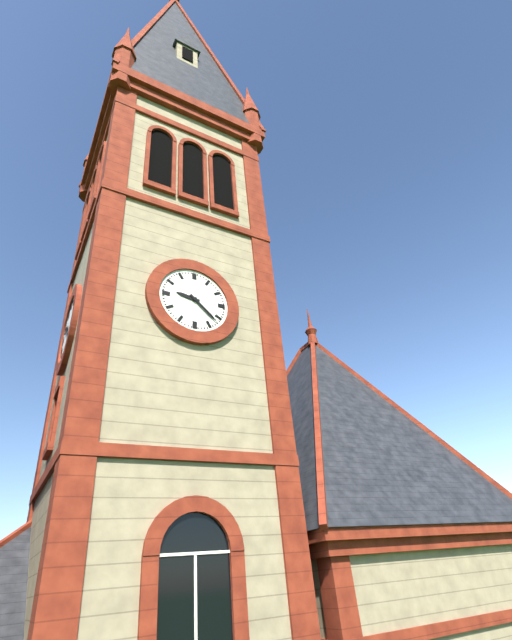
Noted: 9h22
